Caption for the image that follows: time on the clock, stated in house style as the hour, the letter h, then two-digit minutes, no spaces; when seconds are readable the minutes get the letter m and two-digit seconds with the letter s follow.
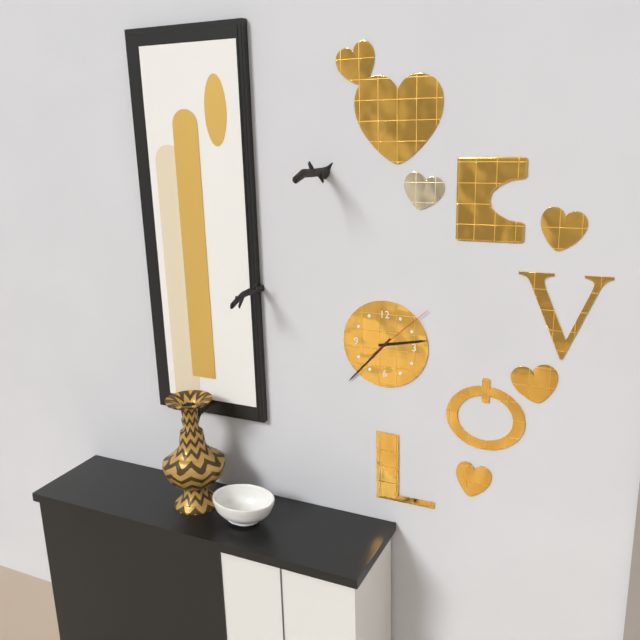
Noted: 2h37m08s
